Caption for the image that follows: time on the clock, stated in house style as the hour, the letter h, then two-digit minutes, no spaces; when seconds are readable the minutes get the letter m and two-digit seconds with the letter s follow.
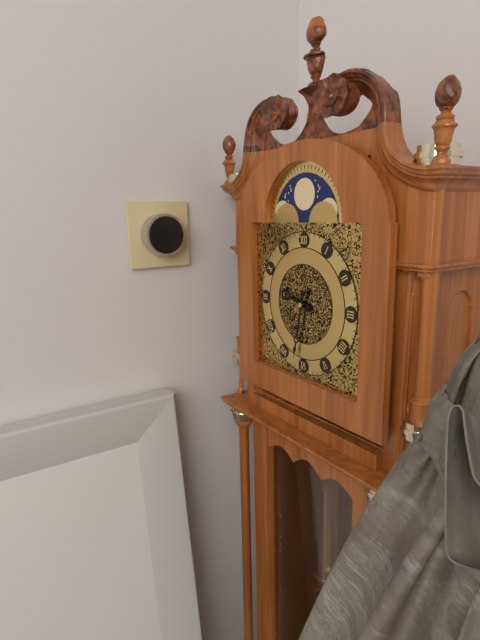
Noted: 9h32
